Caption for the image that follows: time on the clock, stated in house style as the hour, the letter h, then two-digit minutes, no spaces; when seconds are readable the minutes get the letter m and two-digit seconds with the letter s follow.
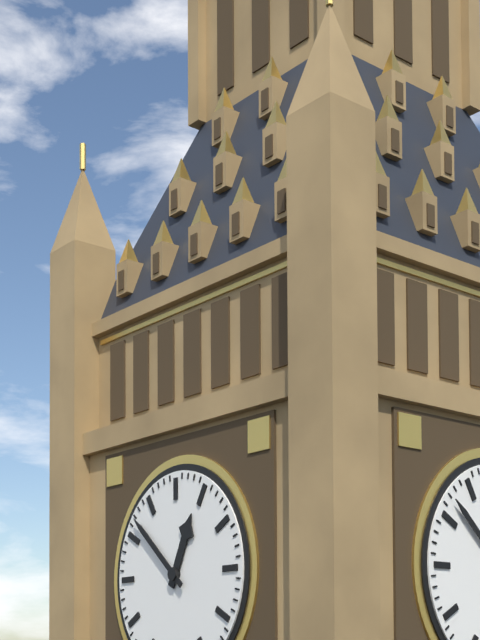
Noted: 12h52
